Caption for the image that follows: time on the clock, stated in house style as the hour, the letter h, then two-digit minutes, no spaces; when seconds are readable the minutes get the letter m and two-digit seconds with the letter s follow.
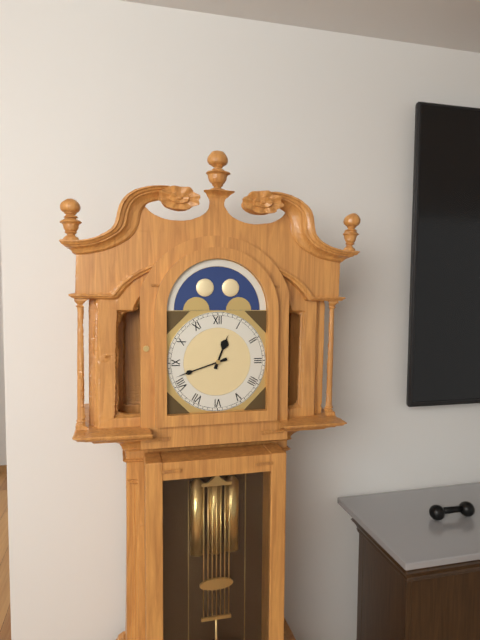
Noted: 12h42
